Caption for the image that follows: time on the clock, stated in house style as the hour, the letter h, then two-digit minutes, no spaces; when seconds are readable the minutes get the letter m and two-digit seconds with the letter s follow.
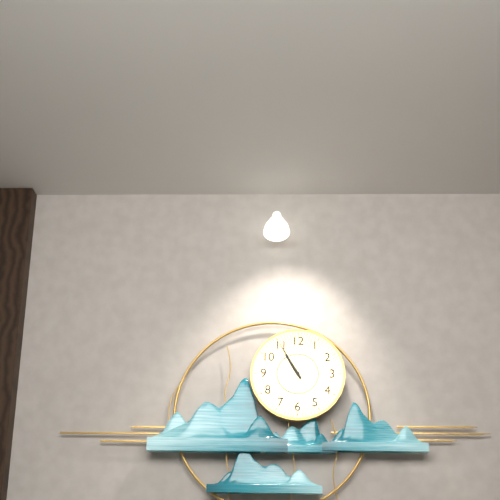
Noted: 10h55
